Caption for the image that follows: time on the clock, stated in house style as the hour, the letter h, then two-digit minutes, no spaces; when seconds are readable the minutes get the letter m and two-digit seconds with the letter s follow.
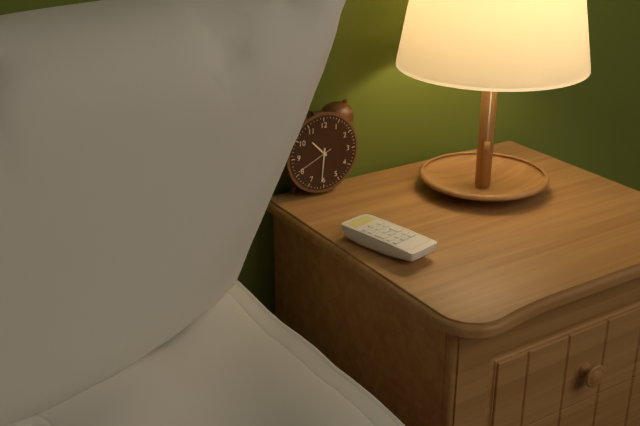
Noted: 10h31
